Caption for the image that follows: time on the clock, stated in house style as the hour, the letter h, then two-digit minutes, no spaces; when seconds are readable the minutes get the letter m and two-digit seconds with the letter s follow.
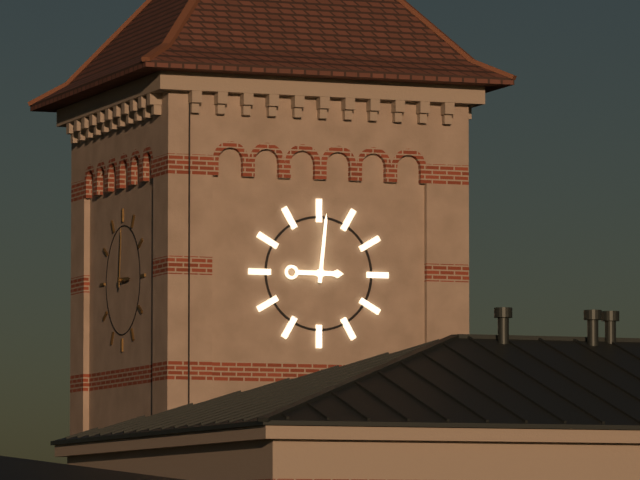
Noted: 3h01
